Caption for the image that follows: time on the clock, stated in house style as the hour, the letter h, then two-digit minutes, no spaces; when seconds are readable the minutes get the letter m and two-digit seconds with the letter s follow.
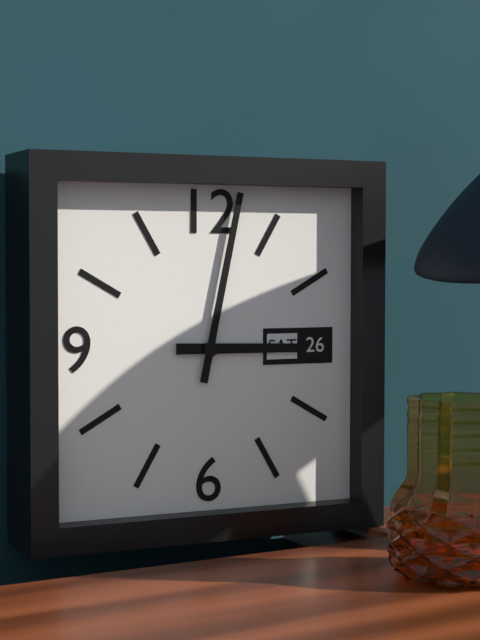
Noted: 3h02
